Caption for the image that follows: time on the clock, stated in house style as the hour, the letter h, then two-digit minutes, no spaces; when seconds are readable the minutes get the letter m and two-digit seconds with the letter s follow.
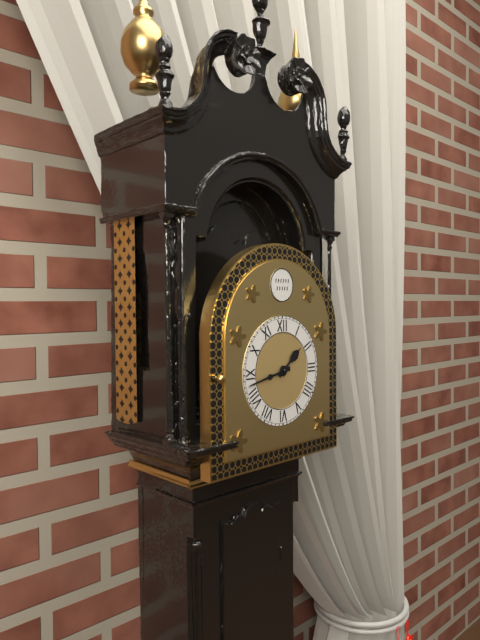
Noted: 1h43
